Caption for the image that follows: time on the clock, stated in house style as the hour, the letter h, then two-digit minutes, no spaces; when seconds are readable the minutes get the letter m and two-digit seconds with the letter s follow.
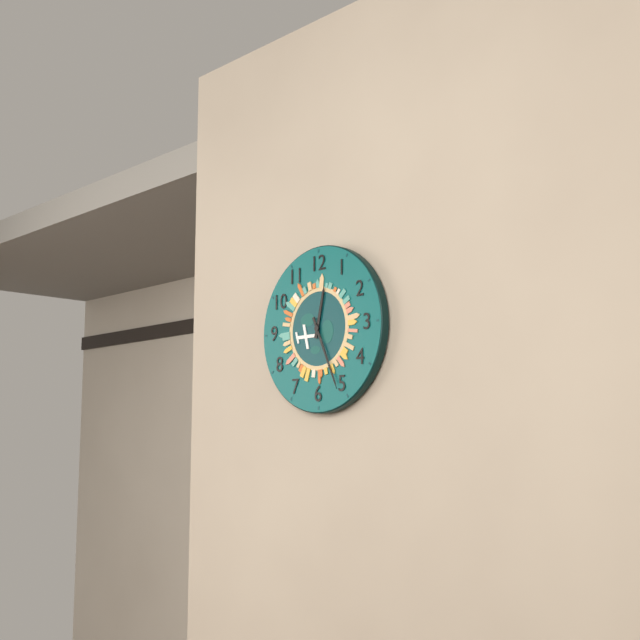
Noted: 12h26
